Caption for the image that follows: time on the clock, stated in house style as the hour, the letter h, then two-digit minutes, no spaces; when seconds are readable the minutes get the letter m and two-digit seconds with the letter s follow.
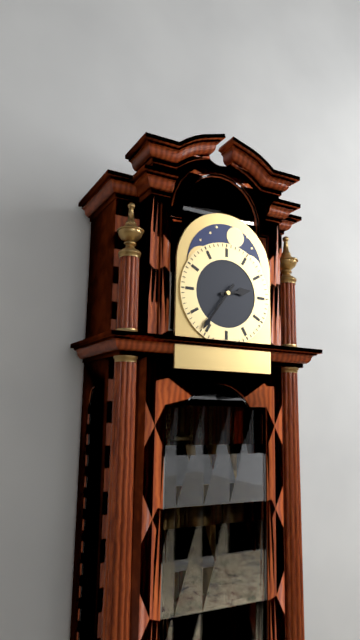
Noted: 2h36
